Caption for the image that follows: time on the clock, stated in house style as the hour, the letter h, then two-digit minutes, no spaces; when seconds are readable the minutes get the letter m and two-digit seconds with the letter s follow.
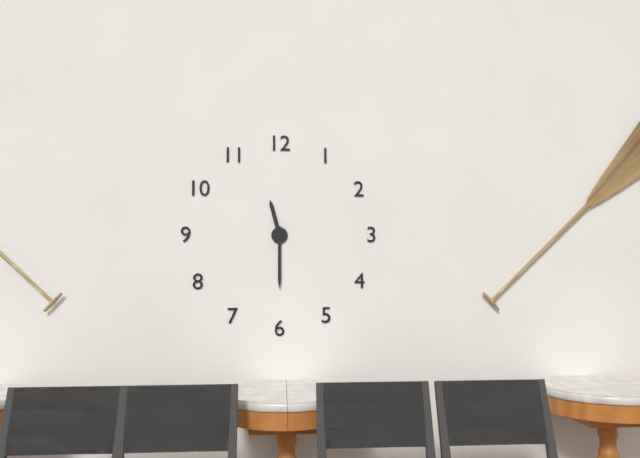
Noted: 11h30
